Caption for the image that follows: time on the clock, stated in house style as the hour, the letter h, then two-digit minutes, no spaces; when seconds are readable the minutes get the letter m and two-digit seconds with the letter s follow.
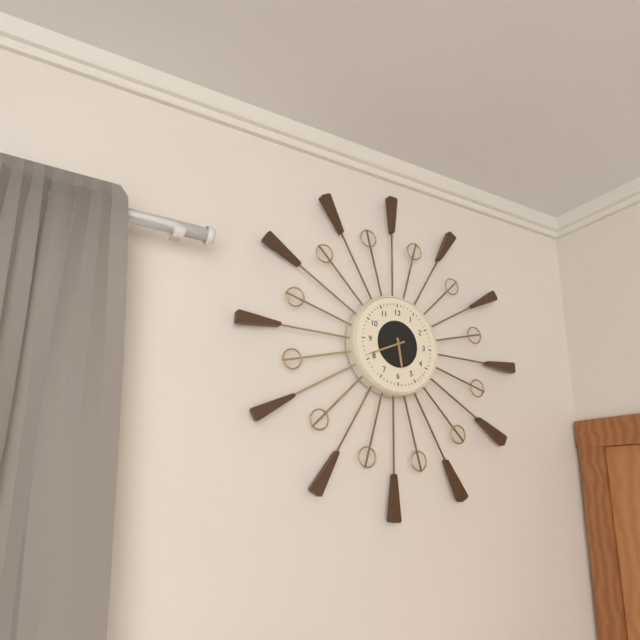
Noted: 5h41
